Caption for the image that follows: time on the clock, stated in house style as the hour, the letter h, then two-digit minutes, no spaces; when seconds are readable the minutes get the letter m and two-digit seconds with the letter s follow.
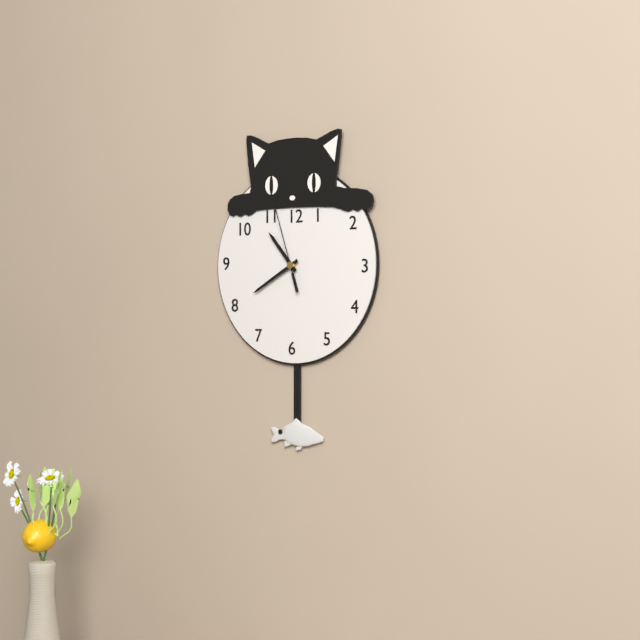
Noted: 10h40m57s
